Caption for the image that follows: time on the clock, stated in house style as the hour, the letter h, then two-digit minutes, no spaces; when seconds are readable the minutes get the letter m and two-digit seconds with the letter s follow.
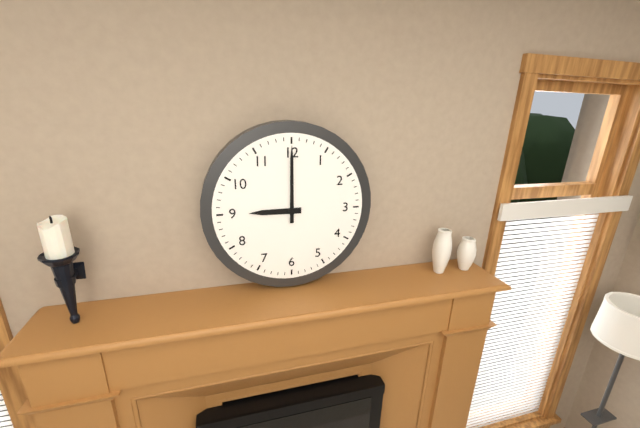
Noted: 9h00
